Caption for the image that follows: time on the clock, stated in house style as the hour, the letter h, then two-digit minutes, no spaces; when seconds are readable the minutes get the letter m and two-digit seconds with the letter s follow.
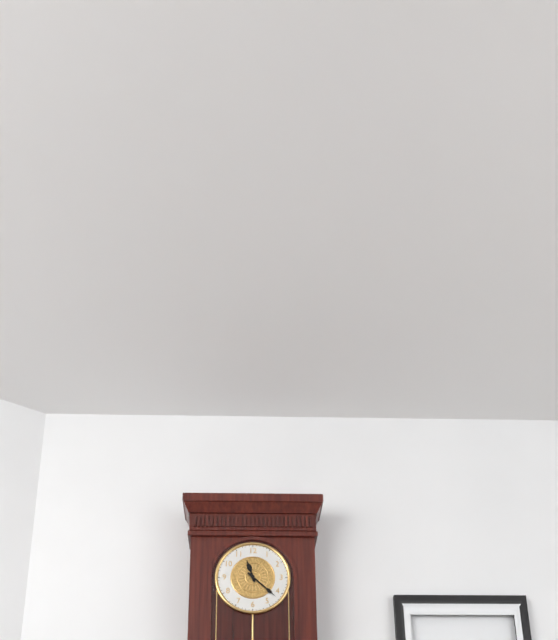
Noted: 11h22
